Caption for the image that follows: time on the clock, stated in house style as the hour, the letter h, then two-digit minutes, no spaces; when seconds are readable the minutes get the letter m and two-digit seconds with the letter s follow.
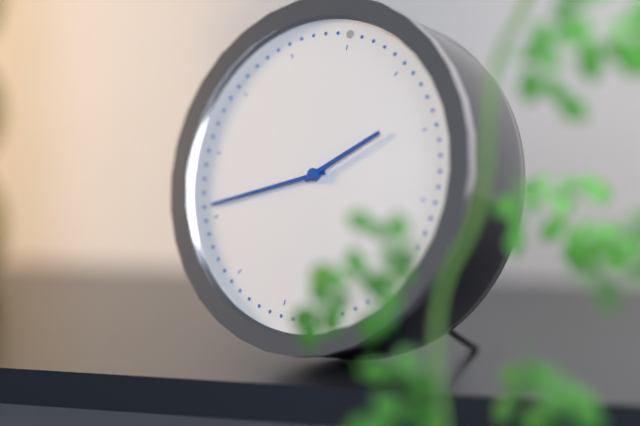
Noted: 1h41
